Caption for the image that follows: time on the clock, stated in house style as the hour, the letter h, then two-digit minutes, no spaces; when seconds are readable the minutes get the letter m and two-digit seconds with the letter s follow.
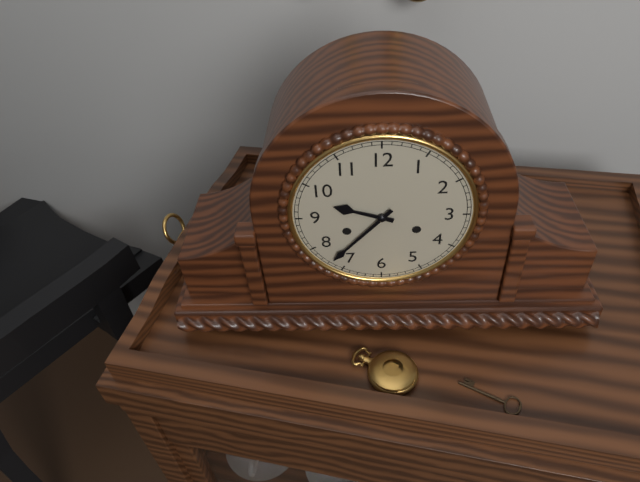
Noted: 9h37
